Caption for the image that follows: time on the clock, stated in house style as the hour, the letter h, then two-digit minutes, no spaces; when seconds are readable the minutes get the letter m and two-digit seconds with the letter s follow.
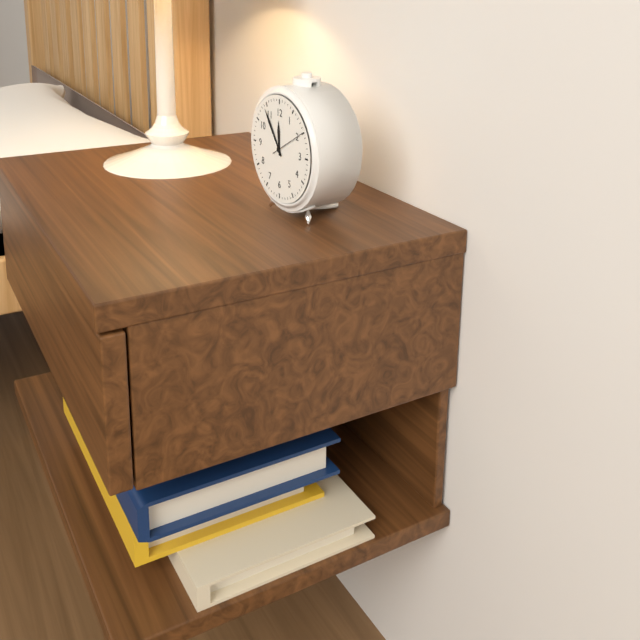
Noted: 11h54
